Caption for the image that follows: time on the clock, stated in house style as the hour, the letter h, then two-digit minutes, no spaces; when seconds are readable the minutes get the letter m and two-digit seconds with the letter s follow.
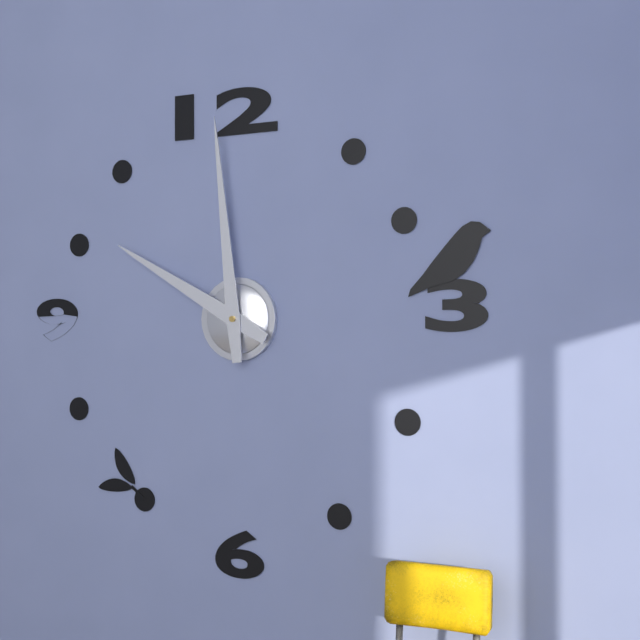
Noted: 9h59
